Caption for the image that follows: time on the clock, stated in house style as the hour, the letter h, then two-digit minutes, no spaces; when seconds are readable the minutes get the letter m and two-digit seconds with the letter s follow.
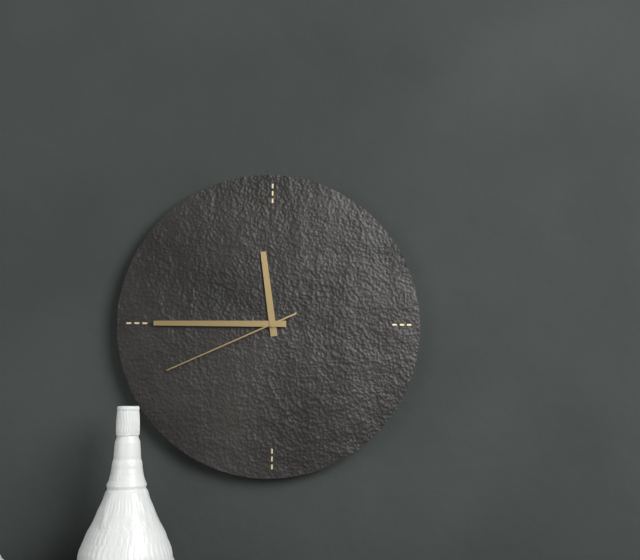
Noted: 11h45m41s
